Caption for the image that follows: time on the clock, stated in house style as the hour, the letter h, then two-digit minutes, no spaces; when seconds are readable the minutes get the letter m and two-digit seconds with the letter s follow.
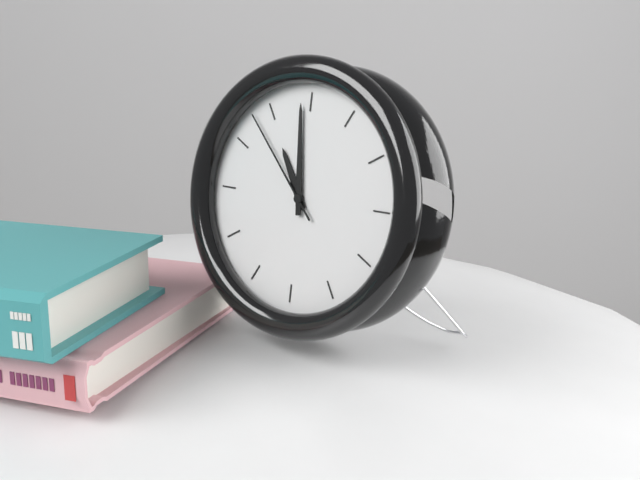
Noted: 10h59m53s
